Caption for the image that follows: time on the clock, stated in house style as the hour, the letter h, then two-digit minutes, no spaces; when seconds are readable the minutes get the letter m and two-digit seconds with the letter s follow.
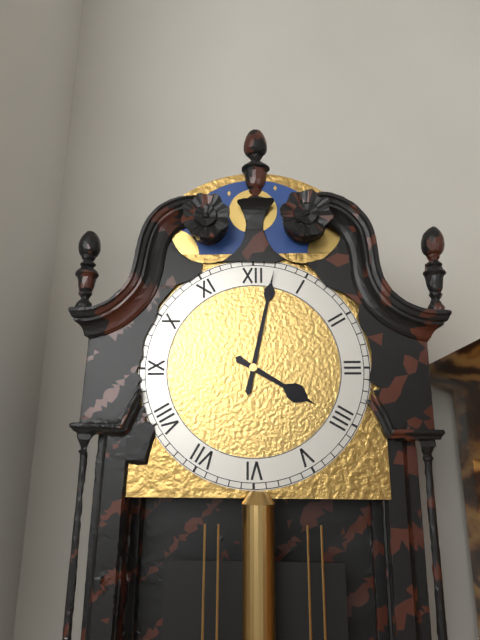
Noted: 4h02
